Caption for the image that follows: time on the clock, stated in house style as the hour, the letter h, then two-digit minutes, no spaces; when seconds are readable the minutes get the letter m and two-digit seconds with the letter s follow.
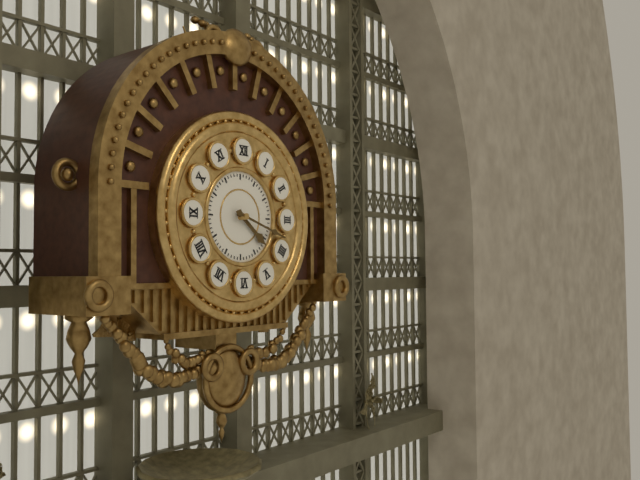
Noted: 4h18
